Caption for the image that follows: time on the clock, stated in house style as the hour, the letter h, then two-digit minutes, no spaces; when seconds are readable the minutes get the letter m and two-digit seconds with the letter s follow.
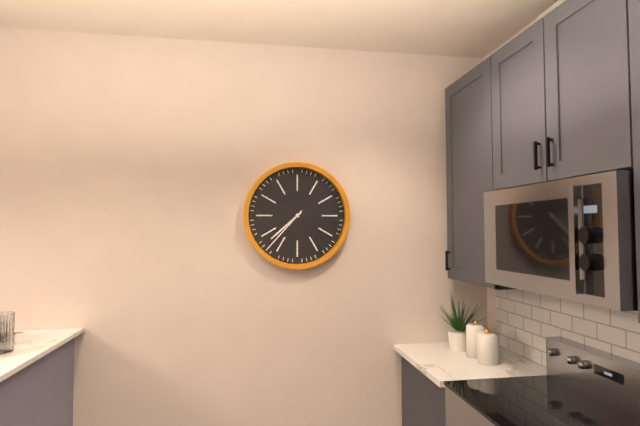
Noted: 7h37
